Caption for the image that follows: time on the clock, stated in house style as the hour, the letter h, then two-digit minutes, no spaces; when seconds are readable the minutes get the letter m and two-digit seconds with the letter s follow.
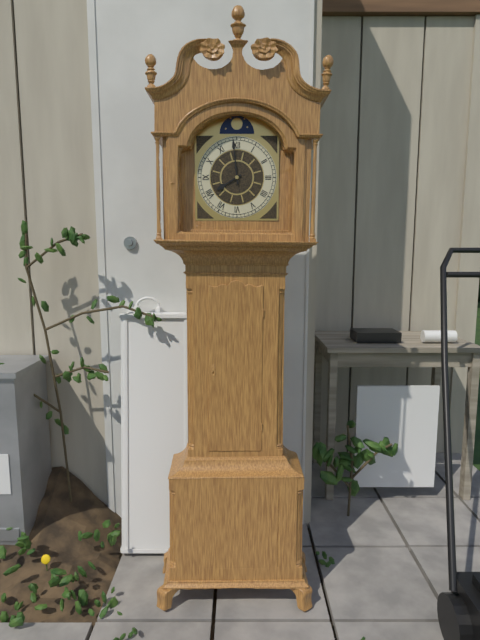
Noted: 7h59
